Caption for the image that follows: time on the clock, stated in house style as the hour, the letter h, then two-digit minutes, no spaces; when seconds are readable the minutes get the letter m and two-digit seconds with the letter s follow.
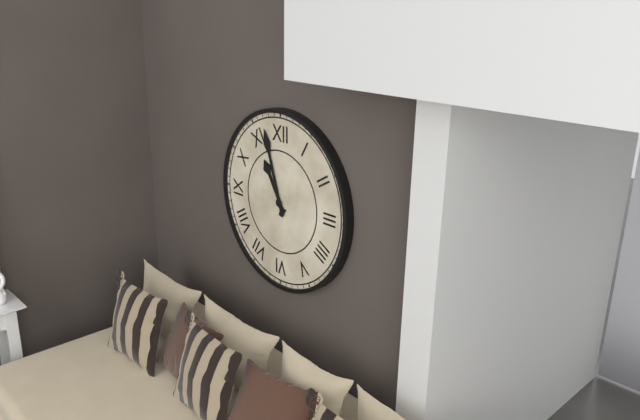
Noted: 10h57
